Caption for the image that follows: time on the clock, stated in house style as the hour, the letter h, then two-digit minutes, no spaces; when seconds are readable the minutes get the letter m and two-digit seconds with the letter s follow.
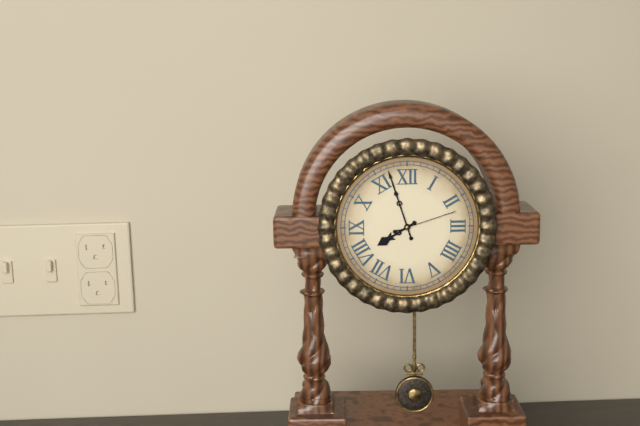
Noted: 7h57m12s
